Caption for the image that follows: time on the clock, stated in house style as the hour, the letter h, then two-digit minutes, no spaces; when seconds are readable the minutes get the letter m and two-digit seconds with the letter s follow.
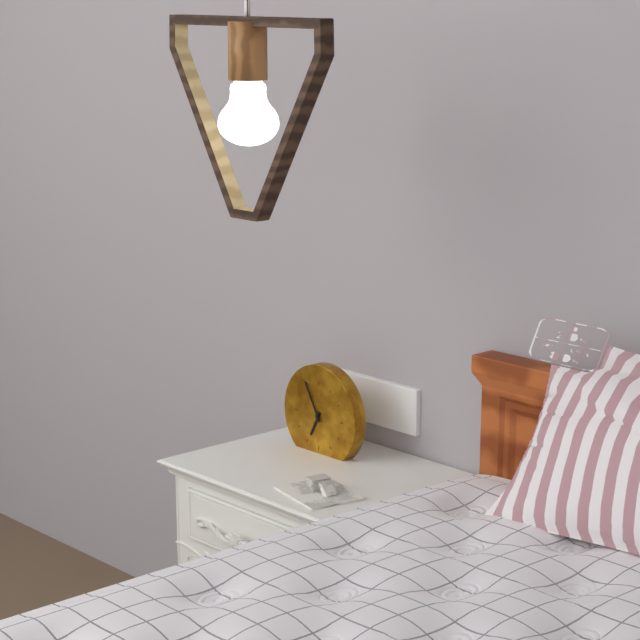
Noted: 6h55
